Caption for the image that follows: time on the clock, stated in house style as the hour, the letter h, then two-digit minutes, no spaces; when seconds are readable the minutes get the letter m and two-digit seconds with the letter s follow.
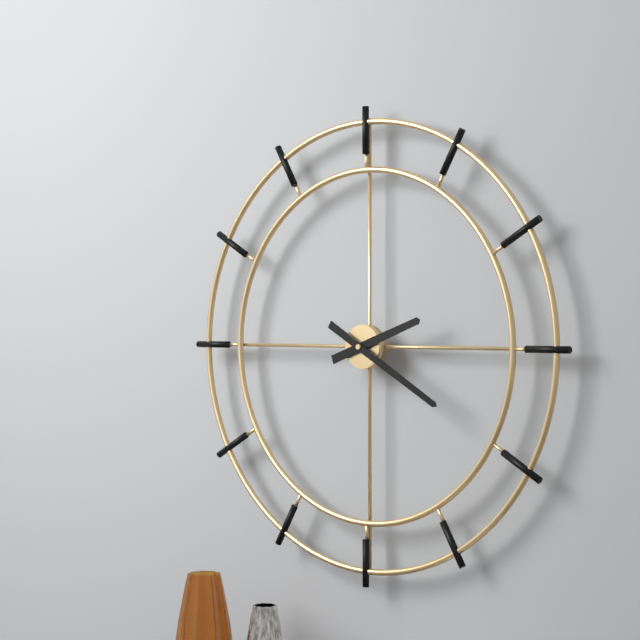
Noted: 2h20
